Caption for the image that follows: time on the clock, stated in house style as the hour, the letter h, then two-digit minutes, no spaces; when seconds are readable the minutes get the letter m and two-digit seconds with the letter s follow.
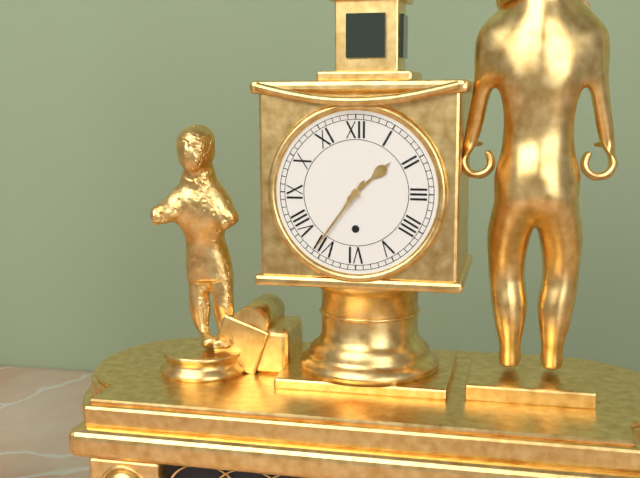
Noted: 1h36
